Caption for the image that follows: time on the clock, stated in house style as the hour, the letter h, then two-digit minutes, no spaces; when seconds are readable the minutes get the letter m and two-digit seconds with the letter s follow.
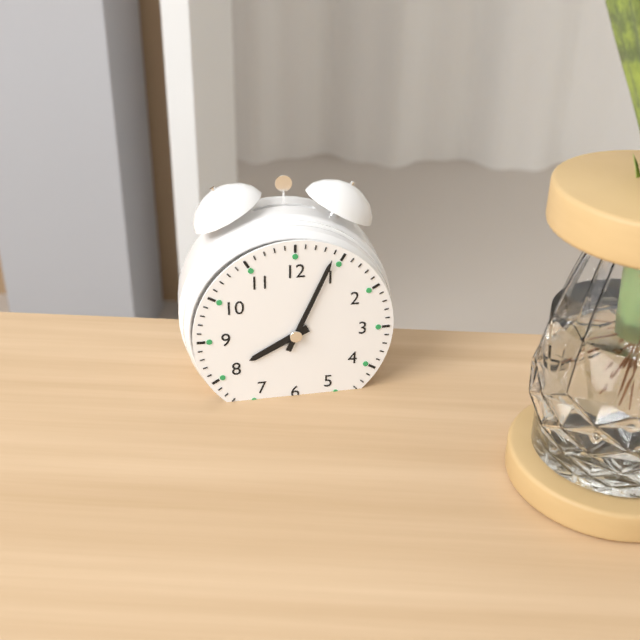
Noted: 8h04
